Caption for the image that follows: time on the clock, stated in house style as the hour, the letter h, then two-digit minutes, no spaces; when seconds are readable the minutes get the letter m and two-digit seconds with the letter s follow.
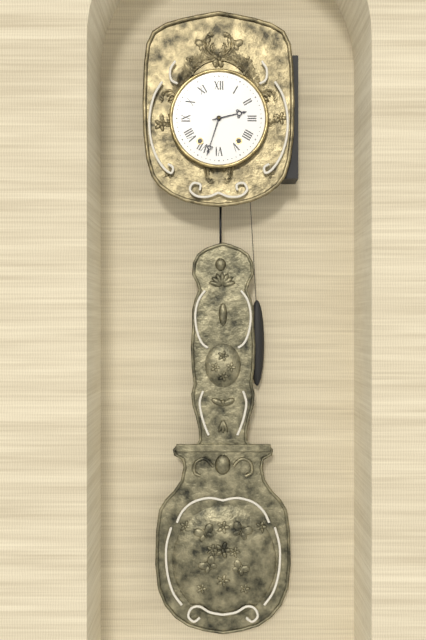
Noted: 2h33
